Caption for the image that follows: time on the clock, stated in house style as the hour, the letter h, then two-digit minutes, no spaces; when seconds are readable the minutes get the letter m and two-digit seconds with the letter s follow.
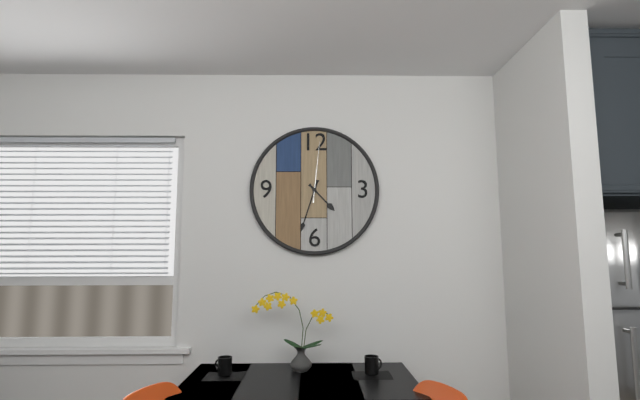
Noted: 4h33m01s
